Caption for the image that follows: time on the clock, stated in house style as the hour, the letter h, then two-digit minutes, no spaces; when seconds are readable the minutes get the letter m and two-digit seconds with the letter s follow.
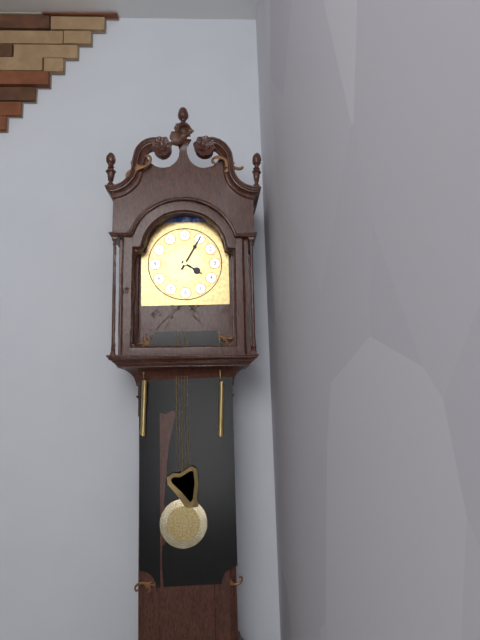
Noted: 4h05
